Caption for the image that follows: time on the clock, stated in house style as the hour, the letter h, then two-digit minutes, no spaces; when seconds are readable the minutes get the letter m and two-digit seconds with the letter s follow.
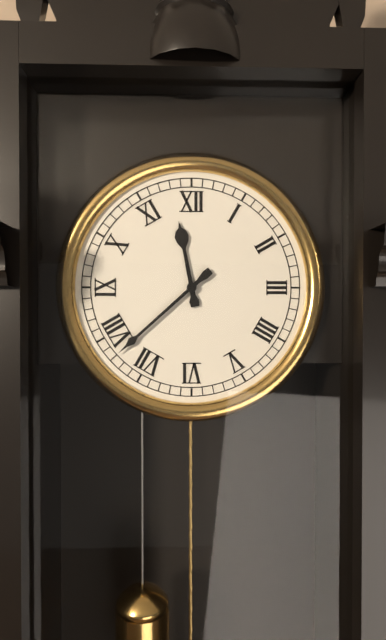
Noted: 11h38
